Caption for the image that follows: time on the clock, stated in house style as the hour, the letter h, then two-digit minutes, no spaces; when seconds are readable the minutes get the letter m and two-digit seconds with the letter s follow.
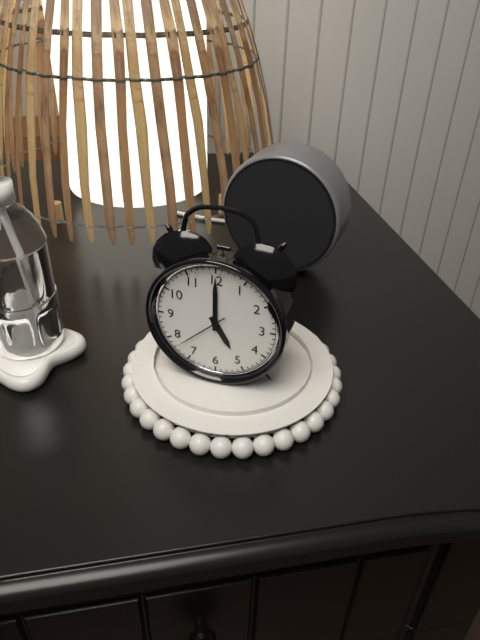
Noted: 5h00m38s
